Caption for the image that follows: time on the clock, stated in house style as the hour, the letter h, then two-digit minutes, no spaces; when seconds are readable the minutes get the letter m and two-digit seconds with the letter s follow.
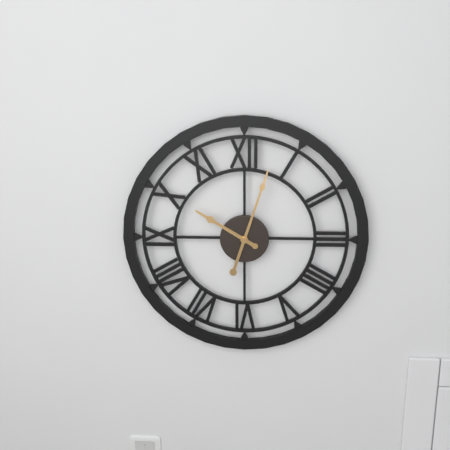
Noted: 10h03
